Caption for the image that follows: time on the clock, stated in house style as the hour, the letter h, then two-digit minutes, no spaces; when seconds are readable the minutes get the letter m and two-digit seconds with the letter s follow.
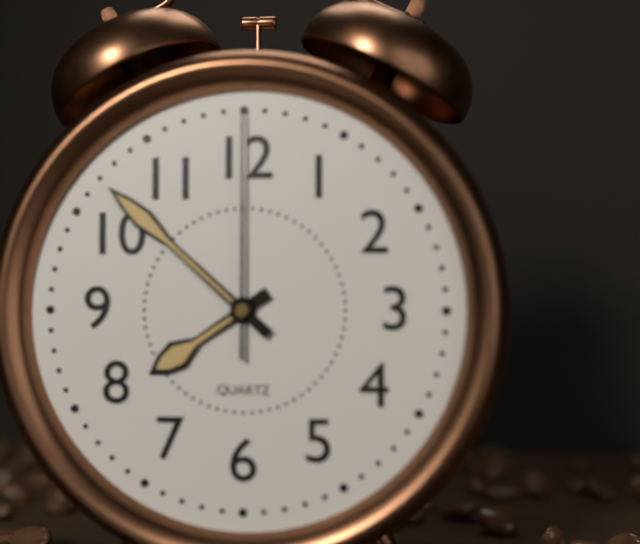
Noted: 7h52m00s
